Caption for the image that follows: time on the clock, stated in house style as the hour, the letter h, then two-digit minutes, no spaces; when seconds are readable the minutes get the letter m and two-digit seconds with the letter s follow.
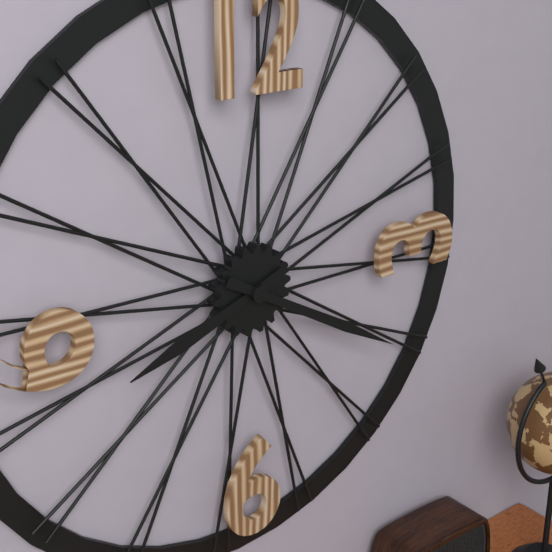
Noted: 8h20
